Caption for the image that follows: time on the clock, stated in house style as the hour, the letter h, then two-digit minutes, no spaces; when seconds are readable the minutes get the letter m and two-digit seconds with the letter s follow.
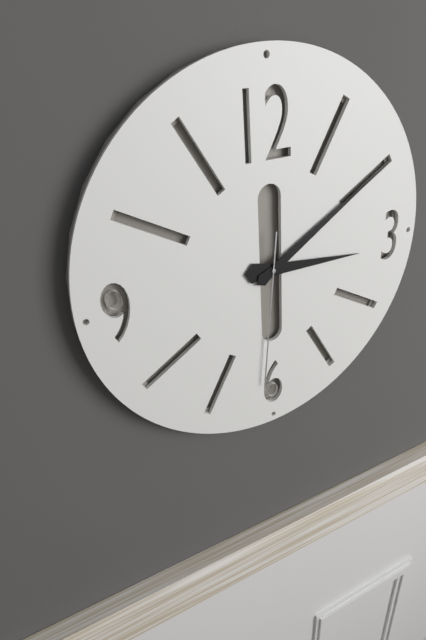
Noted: 3h10m31s
